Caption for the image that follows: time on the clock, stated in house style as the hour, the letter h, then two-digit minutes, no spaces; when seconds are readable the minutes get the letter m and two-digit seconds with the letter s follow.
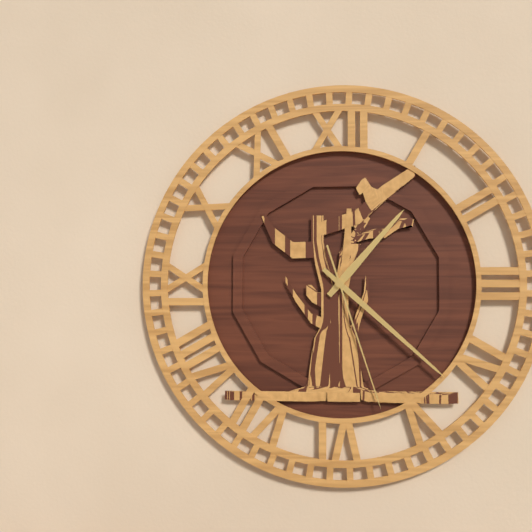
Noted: 1h22m27s
